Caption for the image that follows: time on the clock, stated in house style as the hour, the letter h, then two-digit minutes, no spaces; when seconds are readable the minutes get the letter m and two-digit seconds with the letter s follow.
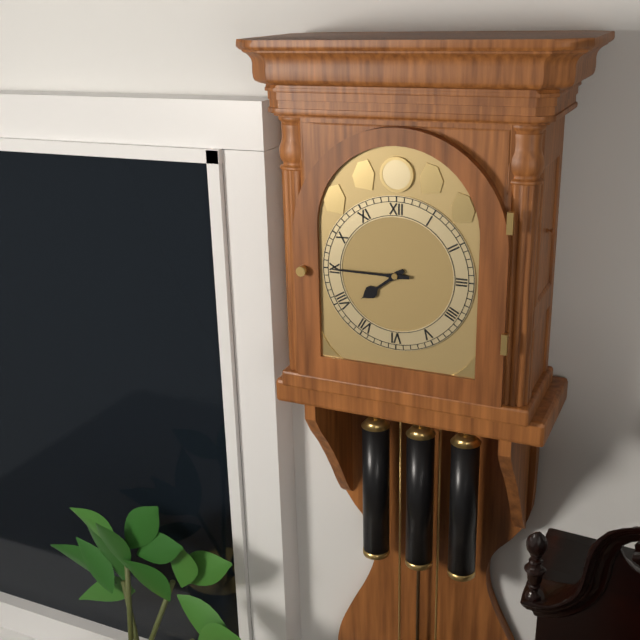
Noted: 7h45
